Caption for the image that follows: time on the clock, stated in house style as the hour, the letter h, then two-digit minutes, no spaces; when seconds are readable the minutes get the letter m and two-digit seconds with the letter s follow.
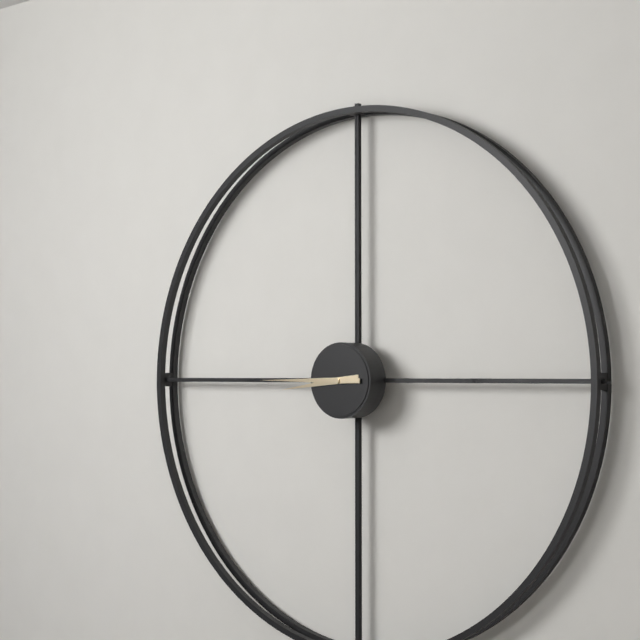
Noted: 8h45
